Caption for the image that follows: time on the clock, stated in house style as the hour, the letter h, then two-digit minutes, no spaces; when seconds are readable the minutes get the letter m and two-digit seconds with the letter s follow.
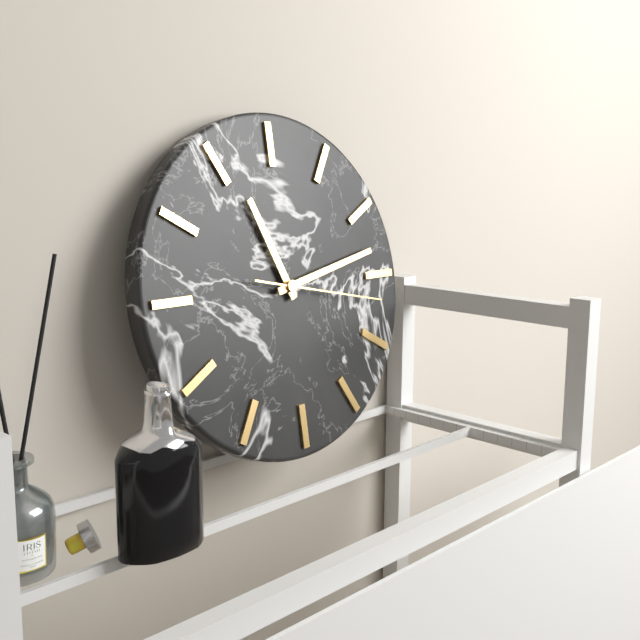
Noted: 11h13m17s
